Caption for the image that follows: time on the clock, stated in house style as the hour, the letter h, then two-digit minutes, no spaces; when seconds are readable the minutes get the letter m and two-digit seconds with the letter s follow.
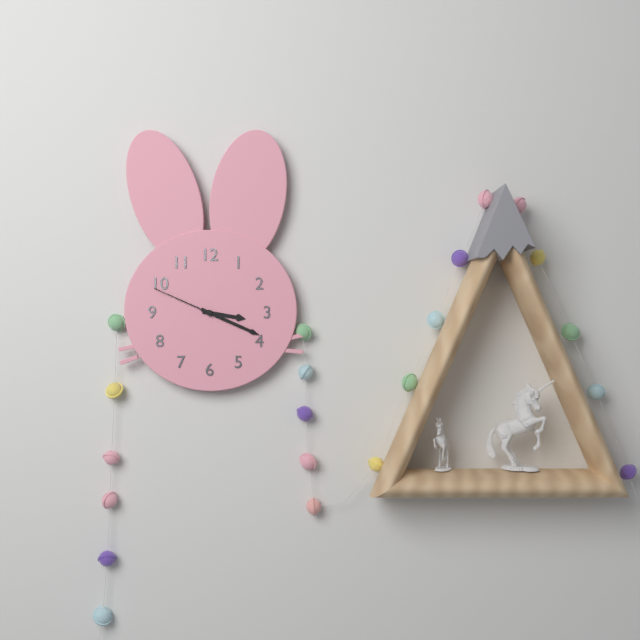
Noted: 3h19m49s
